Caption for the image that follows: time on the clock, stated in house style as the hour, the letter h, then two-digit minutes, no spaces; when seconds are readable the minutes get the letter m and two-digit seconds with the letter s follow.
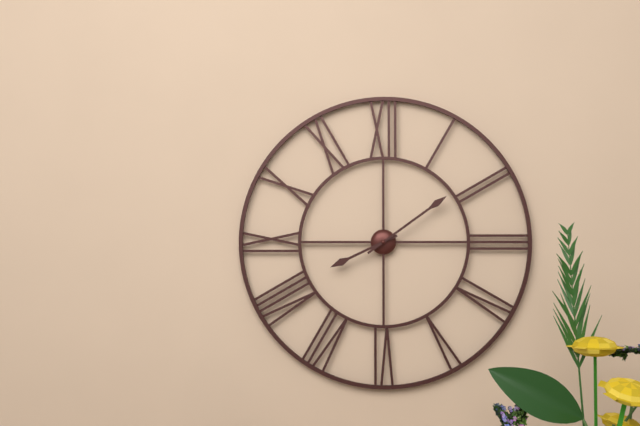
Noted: 8h09
